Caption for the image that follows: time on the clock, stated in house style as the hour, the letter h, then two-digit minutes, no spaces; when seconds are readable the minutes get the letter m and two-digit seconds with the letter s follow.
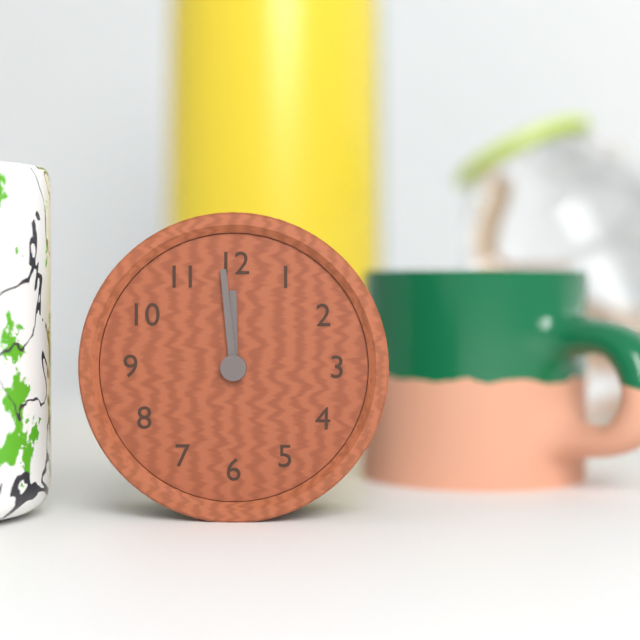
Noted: 11h59
